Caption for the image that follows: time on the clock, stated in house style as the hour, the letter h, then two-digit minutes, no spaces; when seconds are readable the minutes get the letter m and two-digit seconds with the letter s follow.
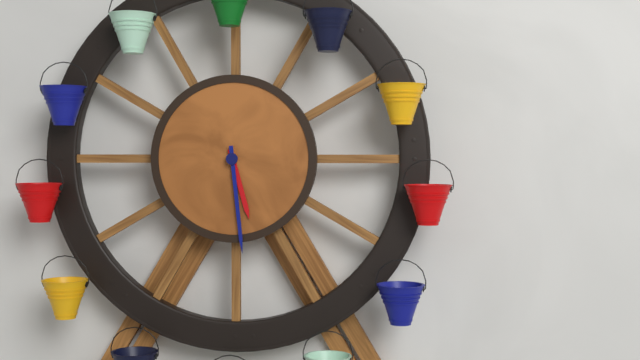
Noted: 5h29
